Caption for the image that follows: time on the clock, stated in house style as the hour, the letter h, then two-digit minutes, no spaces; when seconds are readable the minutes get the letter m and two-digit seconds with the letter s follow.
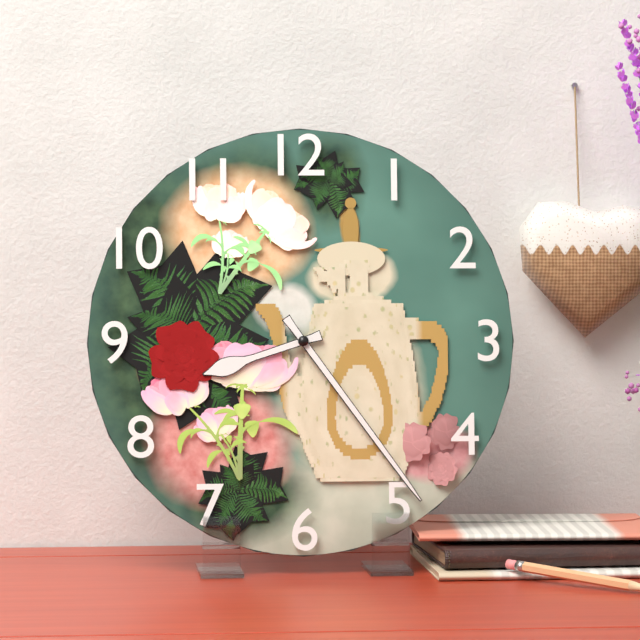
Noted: 8h24
